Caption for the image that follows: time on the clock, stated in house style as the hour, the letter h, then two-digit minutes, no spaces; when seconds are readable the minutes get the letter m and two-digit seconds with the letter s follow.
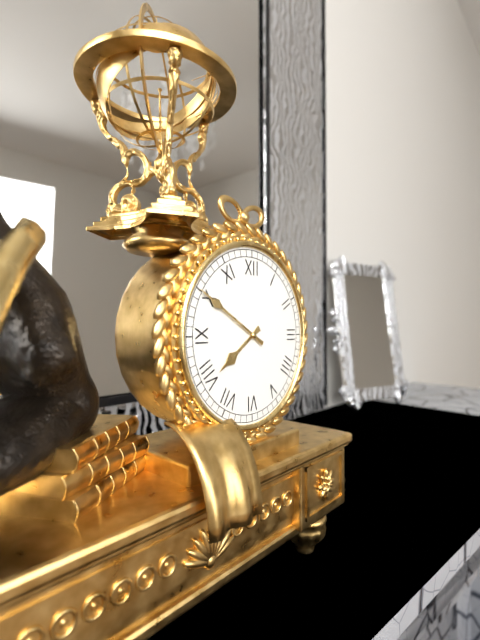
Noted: 7h50
